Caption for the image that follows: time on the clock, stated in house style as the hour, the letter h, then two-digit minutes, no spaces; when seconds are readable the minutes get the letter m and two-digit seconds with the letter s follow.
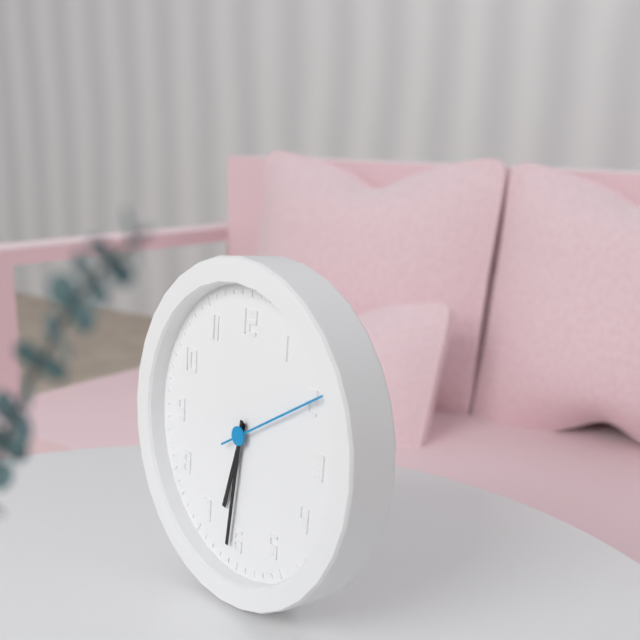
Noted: 6h31m10s
